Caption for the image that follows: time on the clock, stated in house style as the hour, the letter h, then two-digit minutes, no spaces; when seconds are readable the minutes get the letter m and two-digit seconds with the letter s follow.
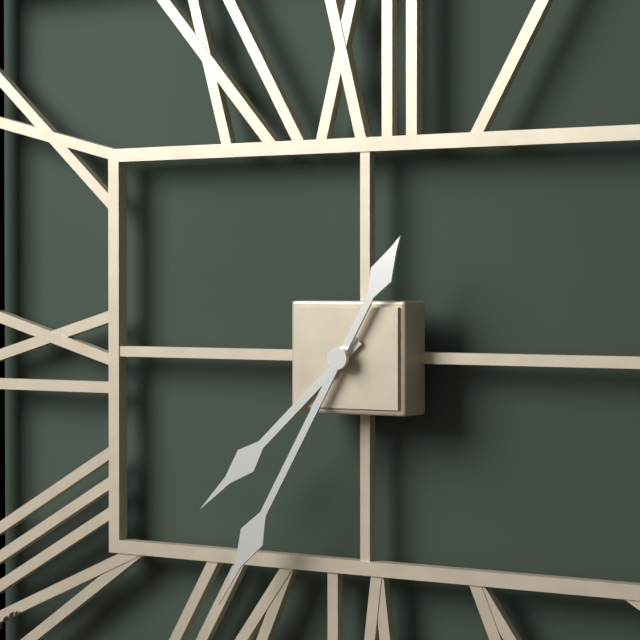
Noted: 7h35
